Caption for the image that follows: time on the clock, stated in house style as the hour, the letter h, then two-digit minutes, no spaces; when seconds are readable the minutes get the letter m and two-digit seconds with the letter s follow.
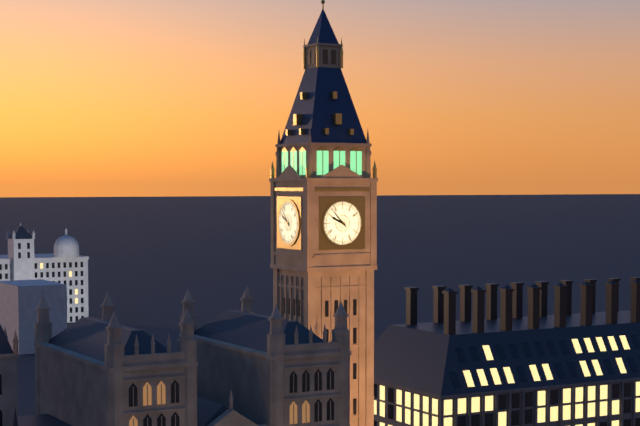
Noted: 9h53
